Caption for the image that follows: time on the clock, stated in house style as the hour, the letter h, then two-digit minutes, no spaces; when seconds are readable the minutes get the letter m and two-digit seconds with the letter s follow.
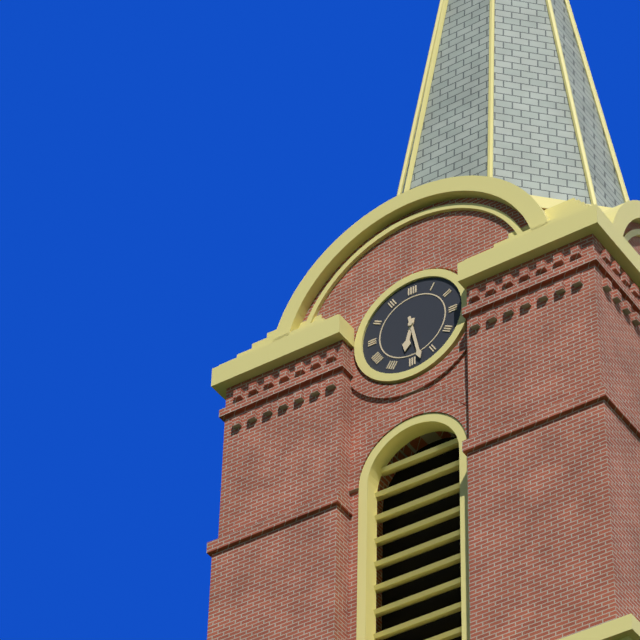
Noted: 6h28
